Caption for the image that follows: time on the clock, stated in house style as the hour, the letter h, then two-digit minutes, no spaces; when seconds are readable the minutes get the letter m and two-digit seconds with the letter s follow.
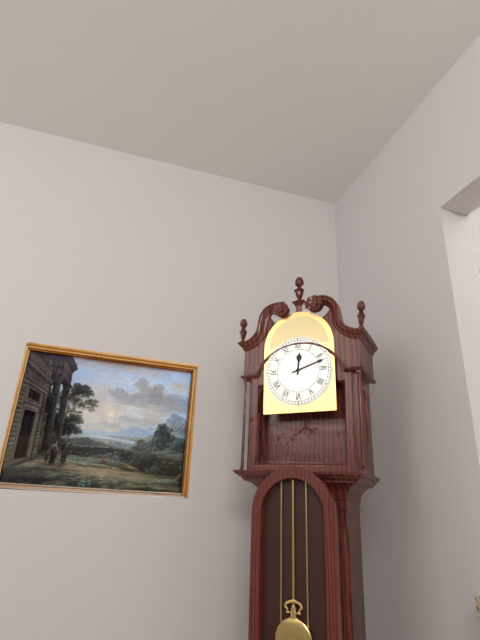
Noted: 12h12
